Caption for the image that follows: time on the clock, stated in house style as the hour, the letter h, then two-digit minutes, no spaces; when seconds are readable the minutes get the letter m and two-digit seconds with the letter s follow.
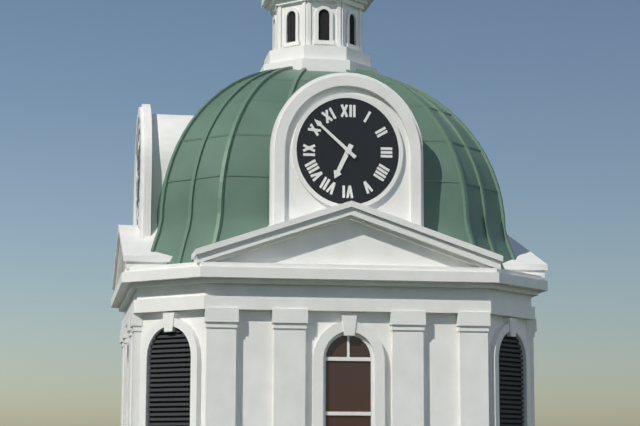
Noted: 6h52
